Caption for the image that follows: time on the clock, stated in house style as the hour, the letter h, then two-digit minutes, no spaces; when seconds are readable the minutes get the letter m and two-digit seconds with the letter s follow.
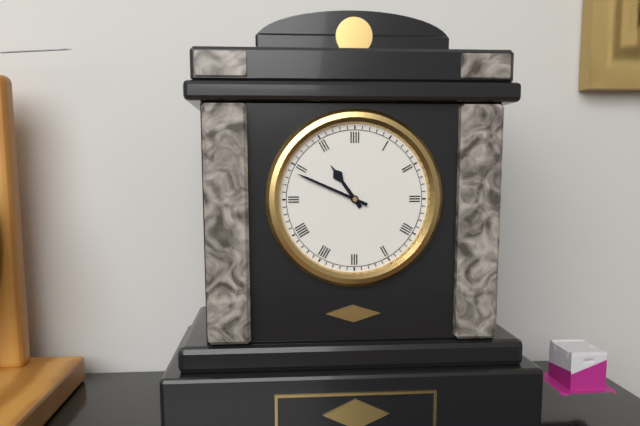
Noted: 10h49
